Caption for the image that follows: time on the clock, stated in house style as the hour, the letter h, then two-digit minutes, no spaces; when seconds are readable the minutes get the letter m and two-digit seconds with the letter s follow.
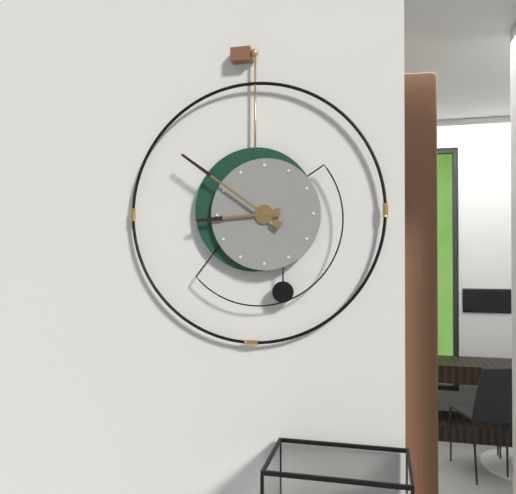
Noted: 8h51
